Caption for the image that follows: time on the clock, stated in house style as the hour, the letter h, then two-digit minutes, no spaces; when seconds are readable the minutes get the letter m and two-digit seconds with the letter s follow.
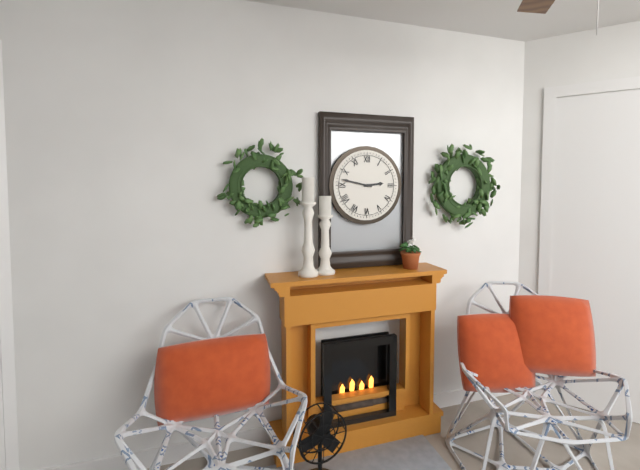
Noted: 2h47
